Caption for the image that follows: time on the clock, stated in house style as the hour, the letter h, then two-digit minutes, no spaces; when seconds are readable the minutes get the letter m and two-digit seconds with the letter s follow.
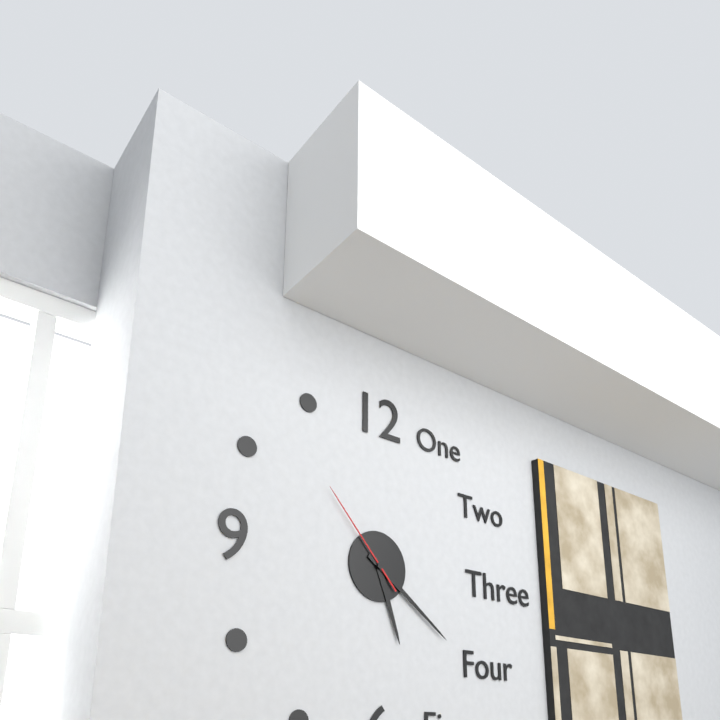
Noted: 5h21m53s
